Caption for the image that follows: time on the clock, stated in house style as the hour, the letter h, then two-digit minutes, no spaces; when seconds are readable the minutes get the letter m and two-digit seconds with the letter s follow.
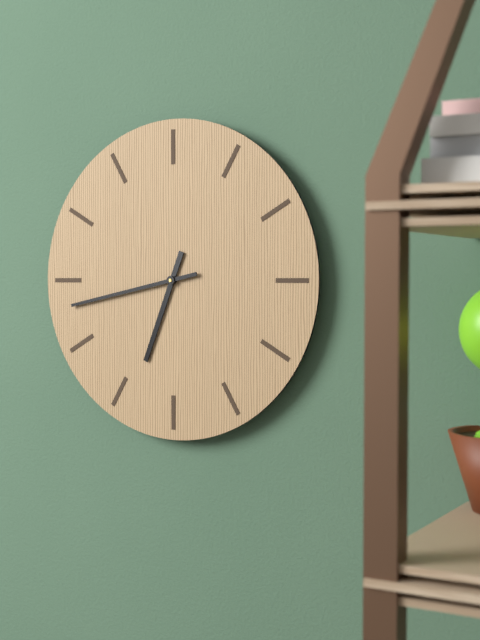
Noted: 6h43
